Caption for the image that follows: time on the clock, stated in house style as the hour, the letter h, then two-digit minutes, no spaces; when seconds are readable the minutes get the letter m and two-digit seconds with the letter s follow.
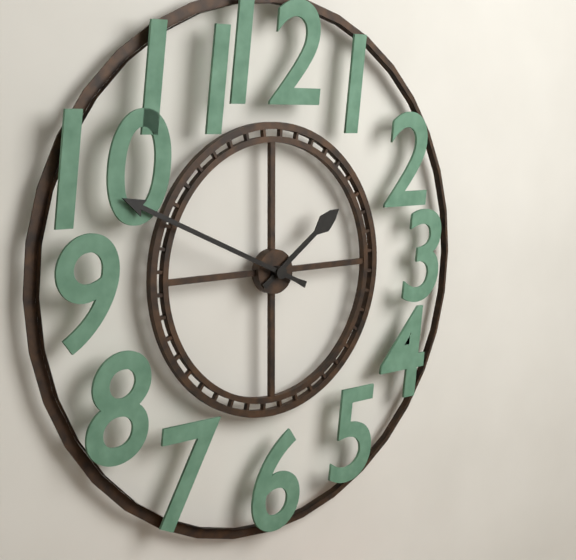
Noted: 1h49
